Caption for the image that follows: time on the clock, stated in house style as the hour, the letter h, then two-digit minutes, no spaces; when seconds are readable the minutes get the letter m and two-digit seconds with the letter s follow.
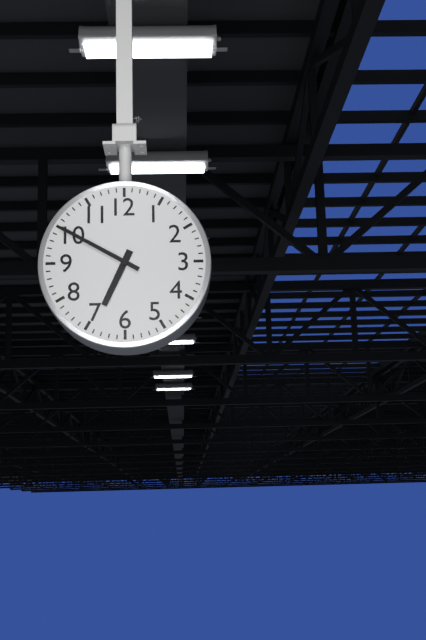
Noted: 6h50
